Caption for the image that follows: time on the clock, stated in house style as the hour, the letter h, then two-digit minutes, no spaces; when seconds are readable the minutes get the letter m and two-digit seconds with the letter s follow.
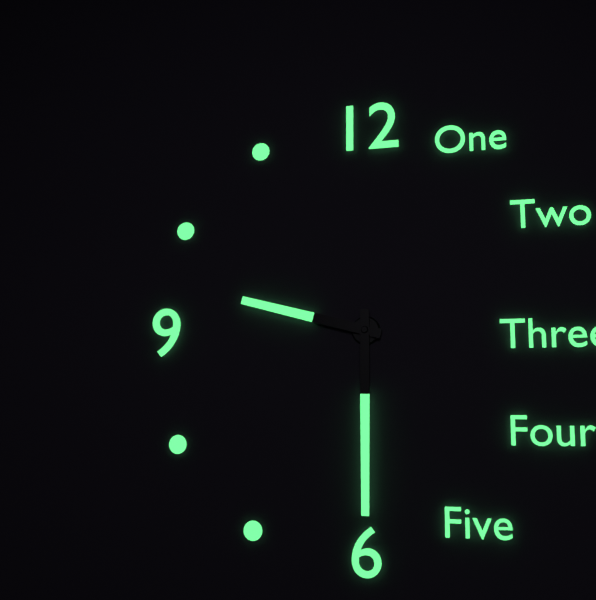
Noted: 9h30
